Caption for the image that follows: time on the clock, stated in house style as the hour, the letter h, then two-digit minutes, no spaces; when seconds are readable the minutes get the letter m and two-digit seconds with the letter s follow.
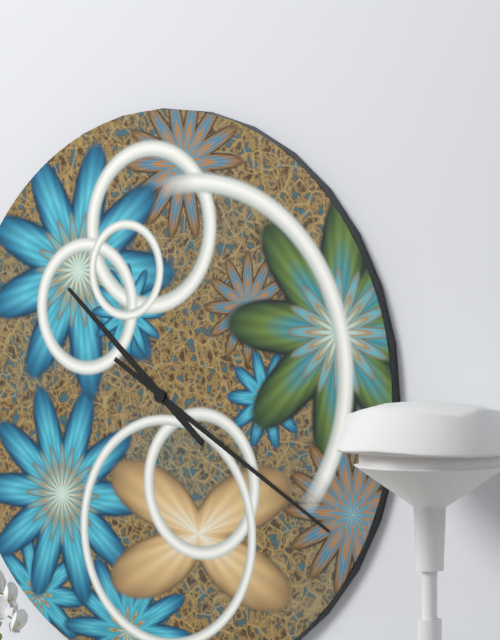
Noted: 10h20
